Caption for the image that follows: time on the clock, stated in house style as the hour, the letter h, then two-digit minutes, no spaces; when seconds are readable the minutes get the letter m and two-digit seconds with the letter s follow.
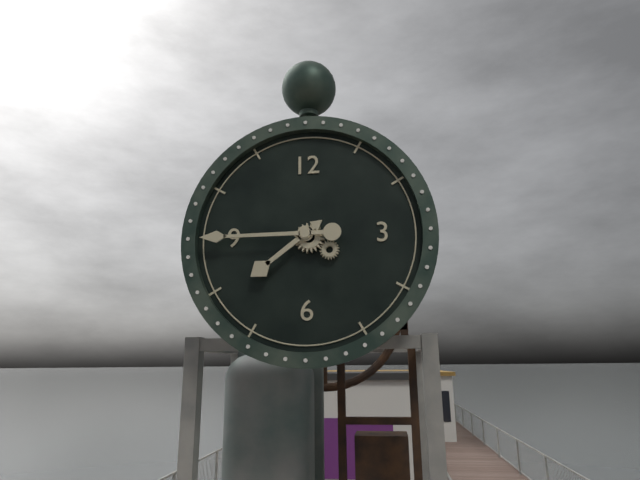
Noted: 7h45
